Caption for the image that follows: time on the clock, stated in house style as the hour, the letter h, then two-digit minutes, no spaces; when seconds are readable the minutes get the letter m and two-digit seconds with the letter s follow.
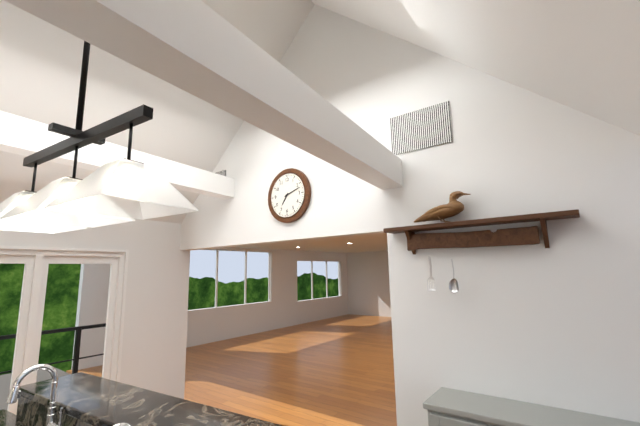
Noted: 7h12
